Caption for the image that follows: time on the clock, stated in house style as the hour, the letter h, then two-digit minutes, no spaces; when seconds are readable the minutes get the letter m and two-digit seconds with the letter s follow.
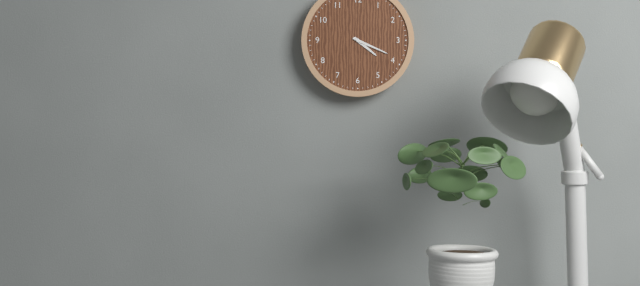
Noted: 4h19
